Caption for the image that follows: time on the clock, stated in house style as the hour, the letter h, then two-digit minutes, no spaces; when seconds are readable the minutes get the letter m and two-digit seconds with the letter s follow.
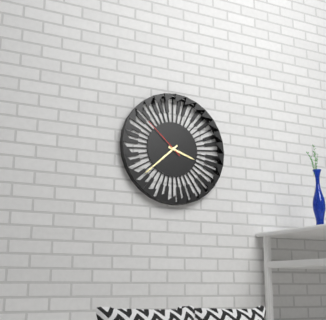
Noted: 3h38
